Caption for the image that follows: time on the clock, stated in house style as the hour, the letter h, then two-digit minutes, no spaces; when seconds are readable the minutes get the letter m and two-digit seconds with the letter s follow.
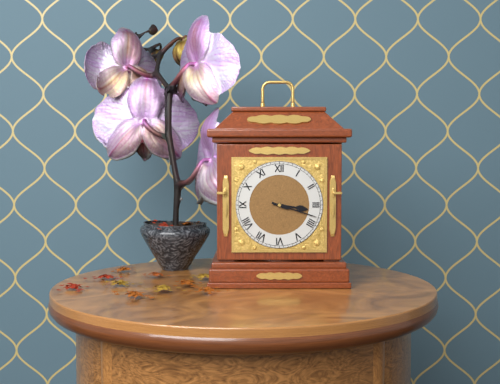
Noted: 3h18
